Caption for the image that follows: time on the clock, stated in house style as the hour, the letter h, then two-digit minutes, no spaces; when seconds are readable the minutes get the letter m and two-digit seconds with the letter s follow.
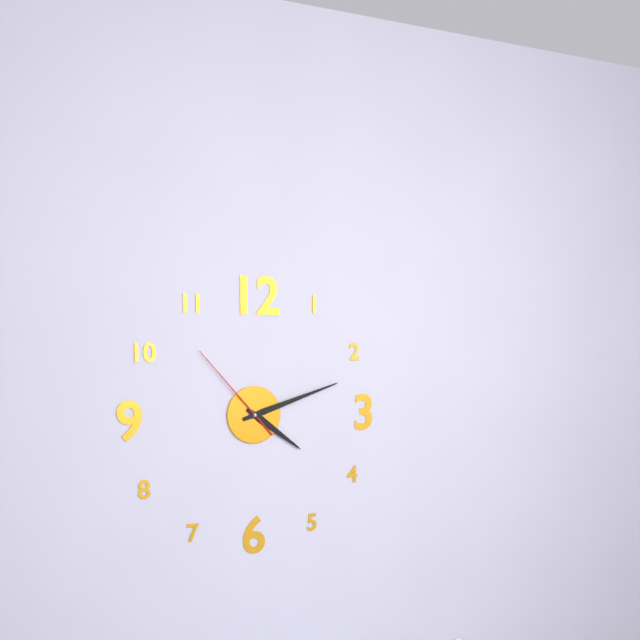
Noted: 4h12m53s
